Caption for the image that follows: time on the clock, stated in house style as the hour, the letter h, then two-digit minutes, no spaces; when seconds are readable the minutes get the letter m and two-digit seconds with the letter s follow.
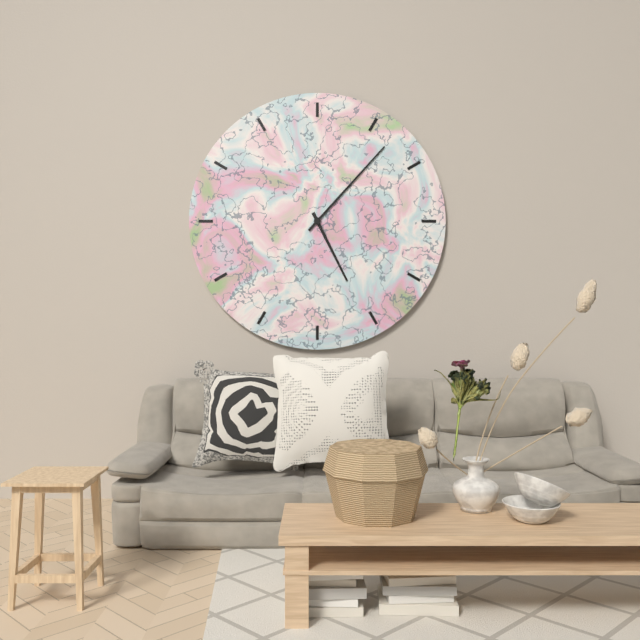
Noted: 5h07
